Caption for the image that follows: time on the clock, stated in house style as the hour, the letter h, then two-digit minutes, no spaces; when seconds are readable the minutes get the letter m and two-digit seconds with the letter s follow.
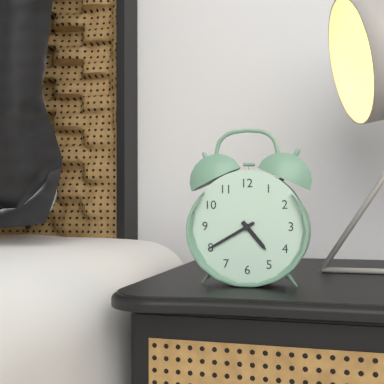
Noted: 4h40
